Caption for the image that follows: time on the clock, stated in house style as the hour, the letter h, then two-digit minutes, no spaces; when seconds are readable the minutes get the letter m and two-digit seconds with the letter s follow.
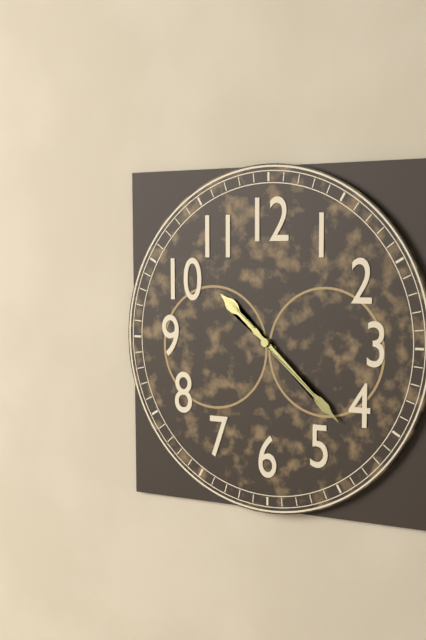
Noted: 10h22
